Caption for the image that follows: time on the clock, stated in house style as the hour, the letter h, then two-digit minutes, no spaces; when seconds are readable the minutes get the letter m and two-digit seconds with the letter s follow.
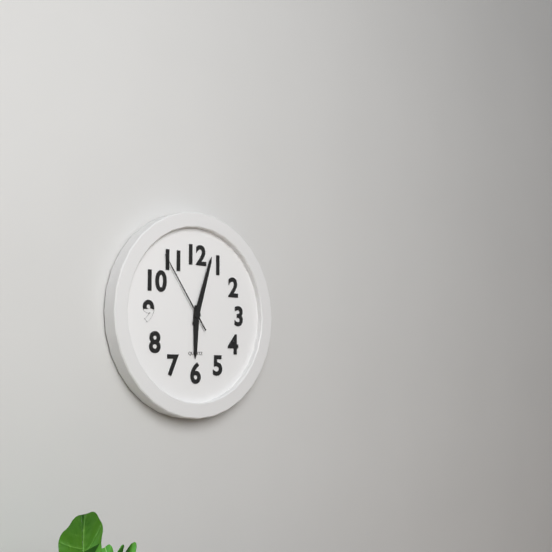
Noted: 6h03m54s
